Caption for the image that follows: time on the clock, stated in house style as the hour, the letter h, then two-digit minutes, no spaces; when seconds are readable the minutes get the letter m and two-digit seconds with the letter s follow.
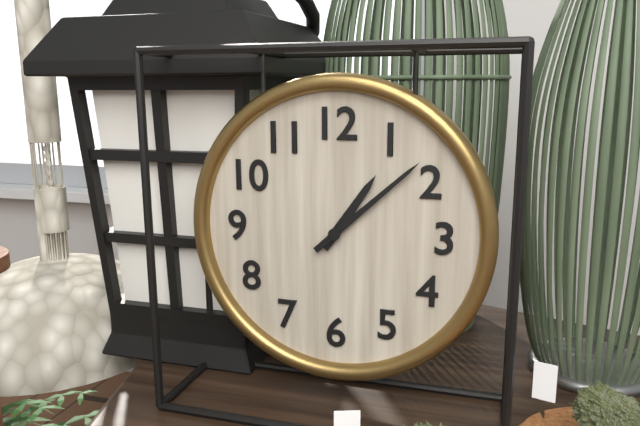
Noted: 1h08
